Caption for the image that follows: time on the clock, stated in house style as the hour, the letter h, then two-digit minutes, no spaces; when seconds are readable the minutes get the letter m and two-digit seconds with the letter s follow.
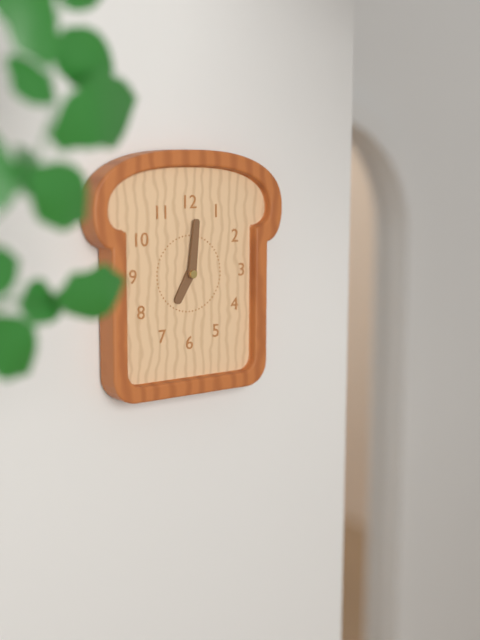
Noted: 7h01
